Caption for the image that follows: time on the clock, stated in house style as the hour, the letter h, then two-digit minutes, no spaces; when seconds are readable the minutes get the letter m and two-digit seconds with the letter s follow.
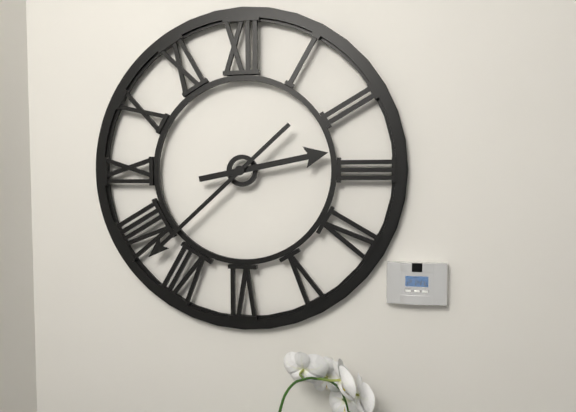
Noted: 2h38
